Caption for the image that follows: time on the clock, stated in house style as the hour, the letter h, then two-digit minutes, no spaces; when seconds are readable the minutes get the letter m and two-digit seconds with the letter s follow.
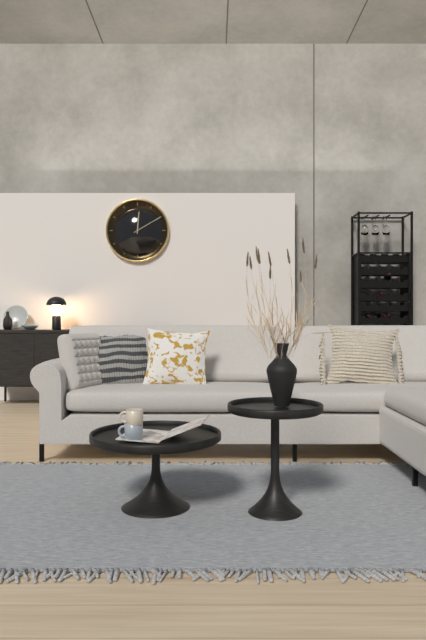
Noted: 12h10
